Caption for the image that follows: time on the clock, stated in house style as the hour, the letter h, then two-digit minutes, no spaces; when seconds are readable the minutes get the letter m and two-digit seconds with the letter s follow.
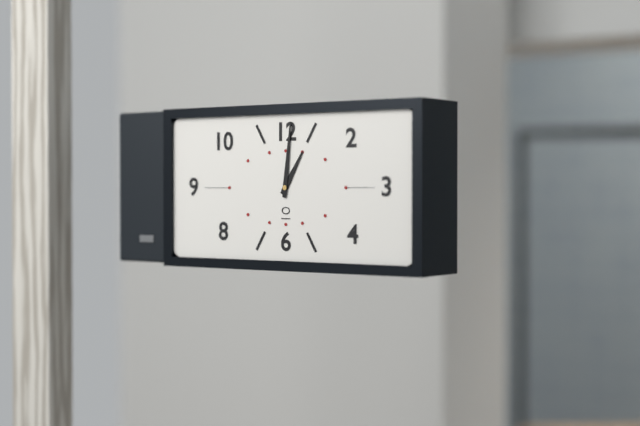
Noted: 1h01
